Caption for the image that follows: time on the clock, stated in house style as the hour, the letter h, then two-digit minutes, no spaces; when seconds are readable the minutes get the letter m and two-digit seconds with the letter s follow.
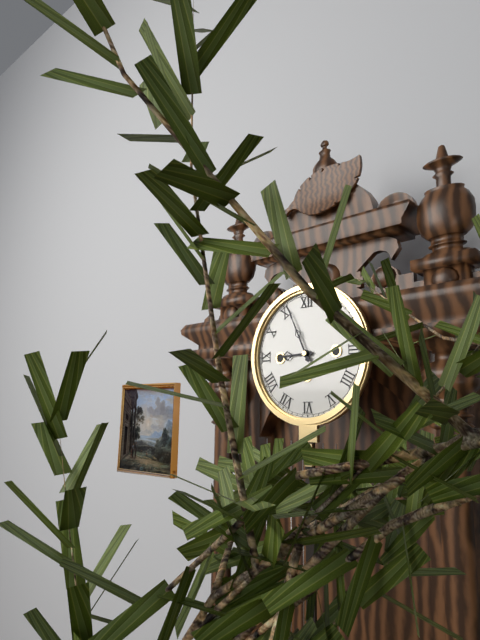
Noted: 8h56
